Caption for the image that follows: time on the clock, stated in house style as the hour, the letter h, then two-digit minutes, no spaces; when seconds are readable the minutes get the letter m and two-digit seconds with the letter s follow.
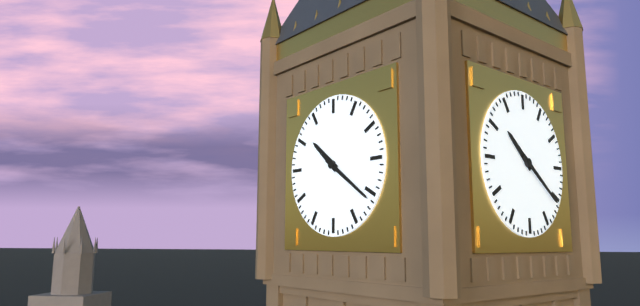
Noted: 10h21
